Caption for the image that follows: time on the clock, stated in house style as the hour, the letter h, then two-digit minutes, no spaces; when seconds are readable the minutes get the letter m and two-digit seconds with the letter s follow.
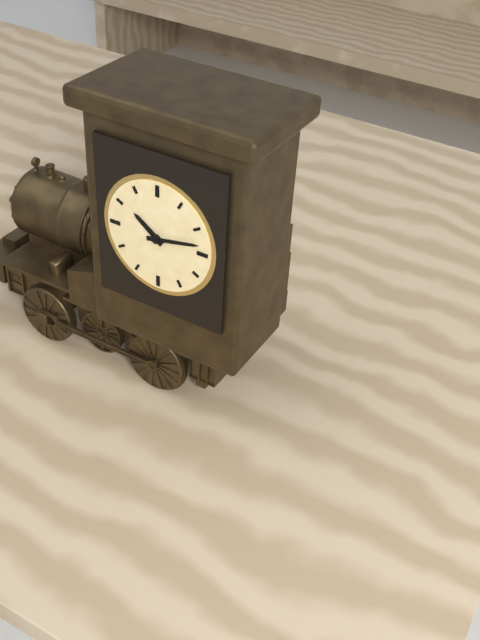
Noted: 10h13
